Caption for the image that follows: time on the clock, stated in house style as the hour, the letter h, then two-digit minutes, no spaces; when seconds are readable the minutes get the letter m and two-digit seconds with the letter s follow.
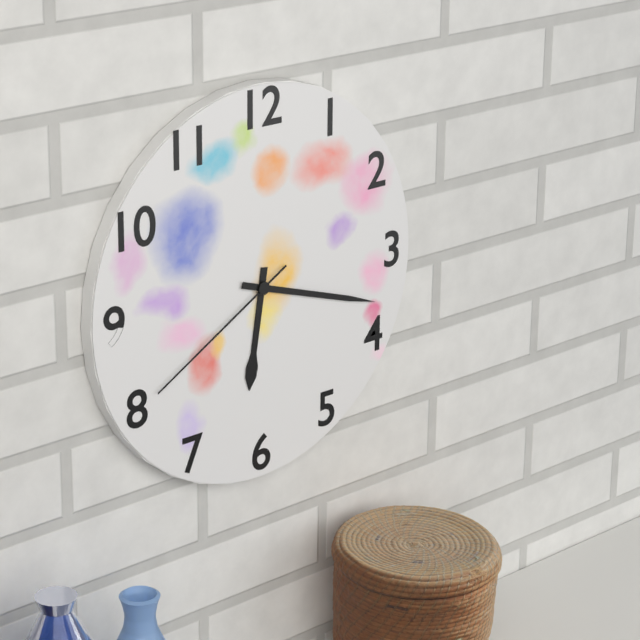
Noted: 6h18m40s
